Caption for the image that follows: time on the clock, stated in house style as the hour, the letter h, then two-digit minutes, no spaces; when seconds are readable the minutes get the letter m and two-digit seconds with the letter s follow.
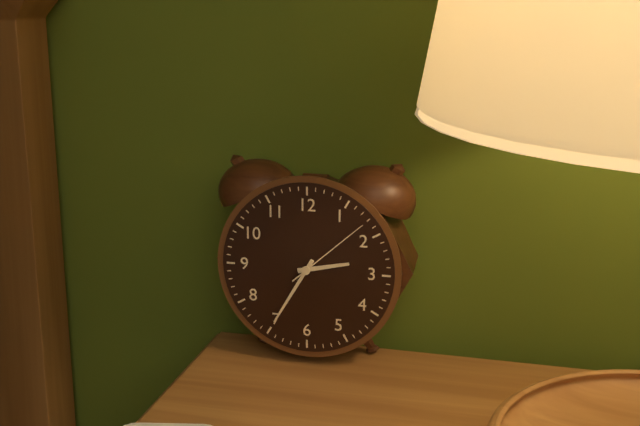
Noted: 2h35m08s
